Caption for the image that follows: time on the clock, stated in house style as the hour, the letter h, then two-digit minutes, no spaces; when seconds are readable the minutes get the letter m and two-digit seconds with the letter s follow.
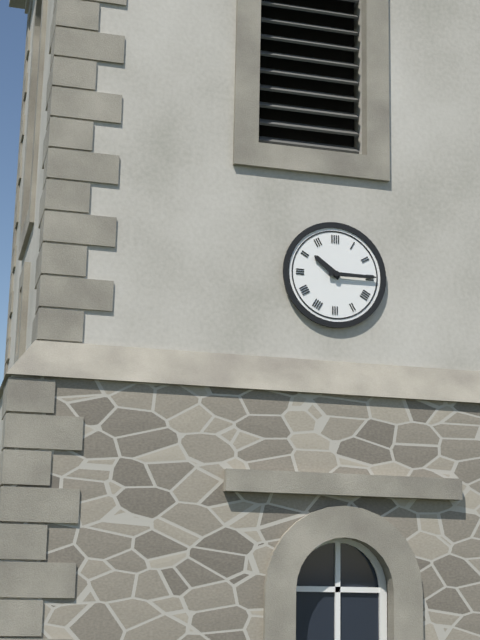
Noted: 10h15
